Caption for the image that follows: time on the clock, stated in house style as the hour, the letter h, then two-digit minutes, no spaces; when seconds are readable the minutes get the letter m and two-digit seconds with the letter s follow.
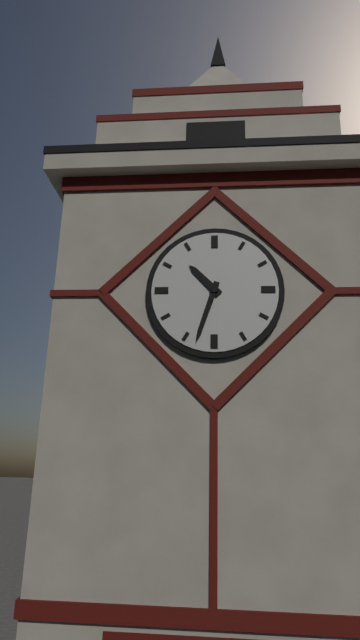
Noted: 10h33
